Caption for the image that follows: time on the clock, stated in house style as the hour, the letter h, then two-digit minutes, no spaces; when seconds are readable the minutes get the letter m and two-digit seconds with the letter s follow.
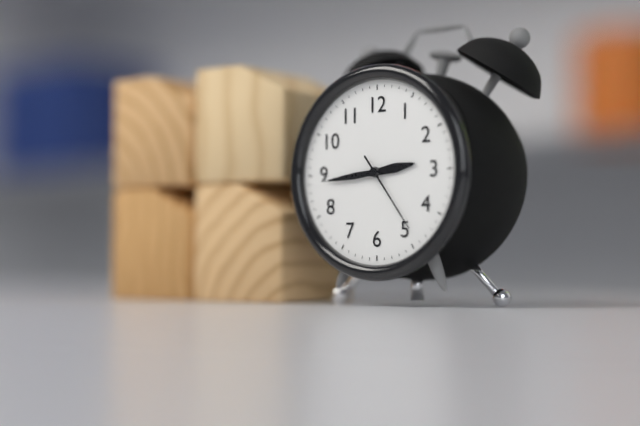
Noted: 2h44m24s
